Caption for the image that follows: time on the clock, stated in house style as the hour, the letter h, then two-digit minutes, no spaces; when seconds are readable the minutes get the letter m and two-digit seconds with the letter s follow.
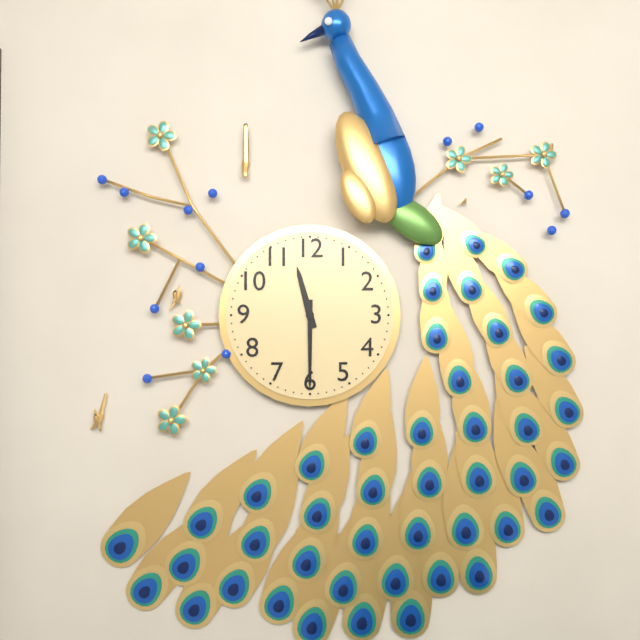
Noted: 11h30
